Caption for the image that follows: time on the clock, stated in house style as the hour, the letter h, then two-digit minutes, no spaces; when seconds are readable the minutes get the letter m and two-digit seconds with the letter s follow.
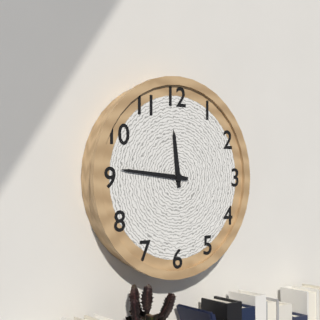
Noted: 11h46
